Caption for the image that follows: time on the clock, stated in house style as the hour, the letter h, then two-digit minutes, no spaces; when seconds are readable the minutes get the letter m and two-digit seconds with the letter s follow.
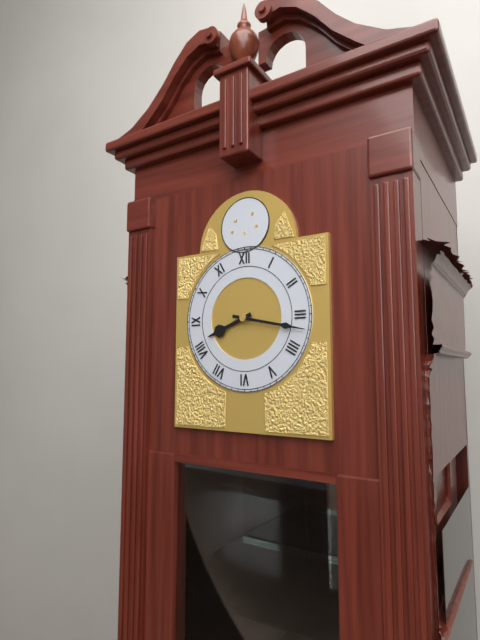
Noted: 8h17
